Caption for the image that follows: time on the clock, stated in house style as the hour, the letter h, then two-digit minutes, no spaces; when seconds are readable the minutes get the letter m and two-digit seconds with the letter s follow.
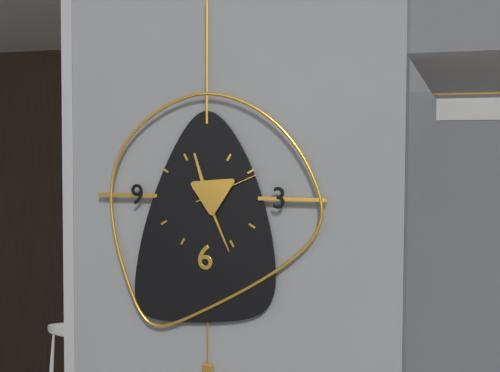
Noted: 11h26m11s
